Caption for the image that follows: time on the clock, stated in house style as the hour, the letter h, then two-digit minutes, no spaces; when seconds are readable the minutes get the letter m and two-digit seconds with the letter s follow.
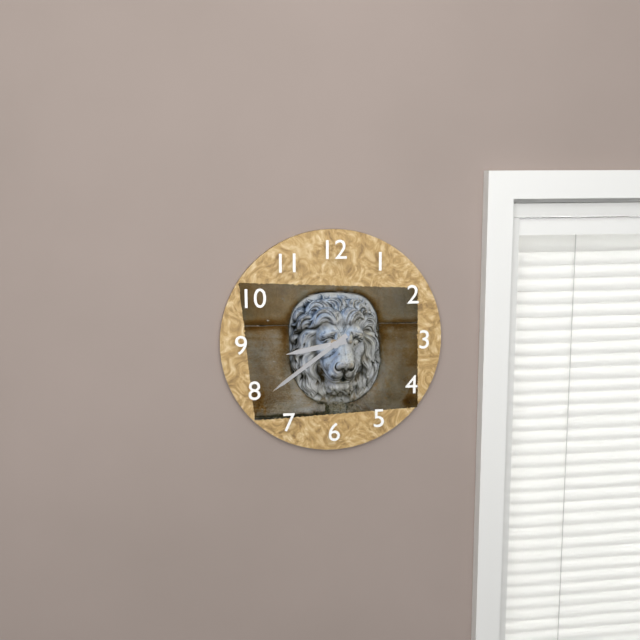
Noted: 8h39
